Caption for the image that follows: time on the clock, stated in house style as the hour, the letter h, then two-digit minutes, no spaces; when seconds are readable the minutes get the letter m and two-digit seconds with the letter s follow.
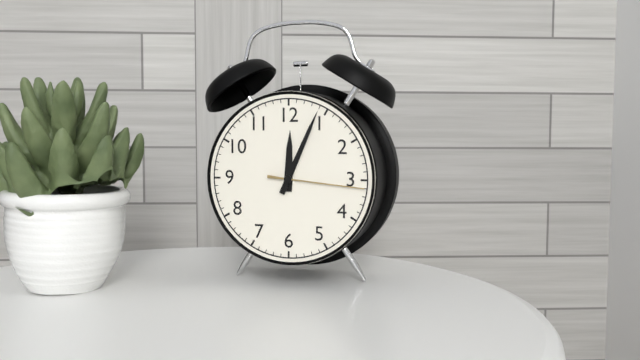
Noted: 12h04m16s
